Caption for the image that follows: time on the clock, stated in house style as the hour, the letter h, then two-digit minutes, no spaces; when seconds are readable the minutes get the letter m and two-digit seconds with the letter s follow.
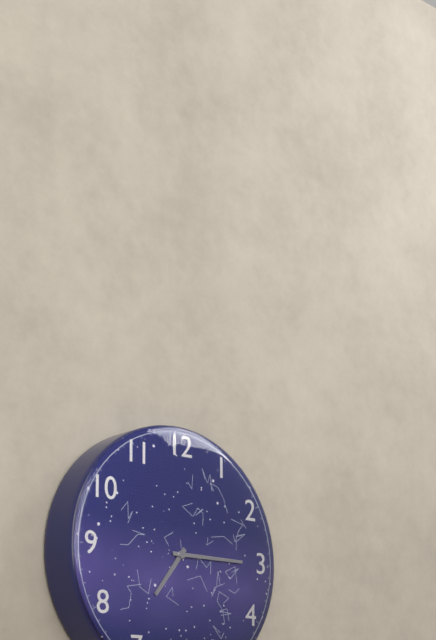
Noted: 7h15
